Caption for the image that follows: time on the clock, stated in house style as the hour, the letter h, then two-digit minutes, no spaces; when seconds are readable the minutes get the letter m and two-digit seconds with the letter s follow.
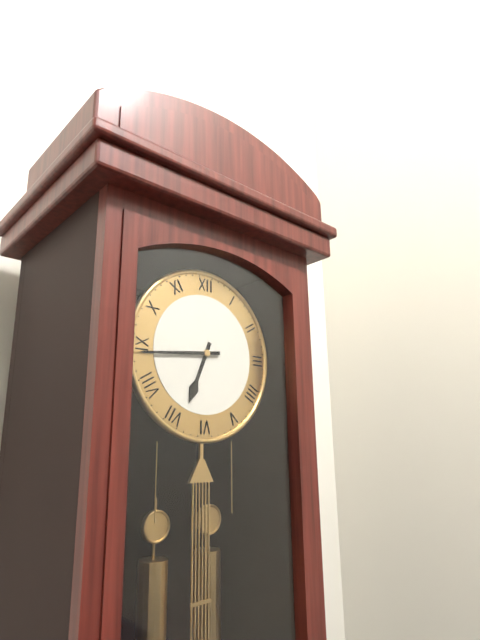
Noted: 6h44
